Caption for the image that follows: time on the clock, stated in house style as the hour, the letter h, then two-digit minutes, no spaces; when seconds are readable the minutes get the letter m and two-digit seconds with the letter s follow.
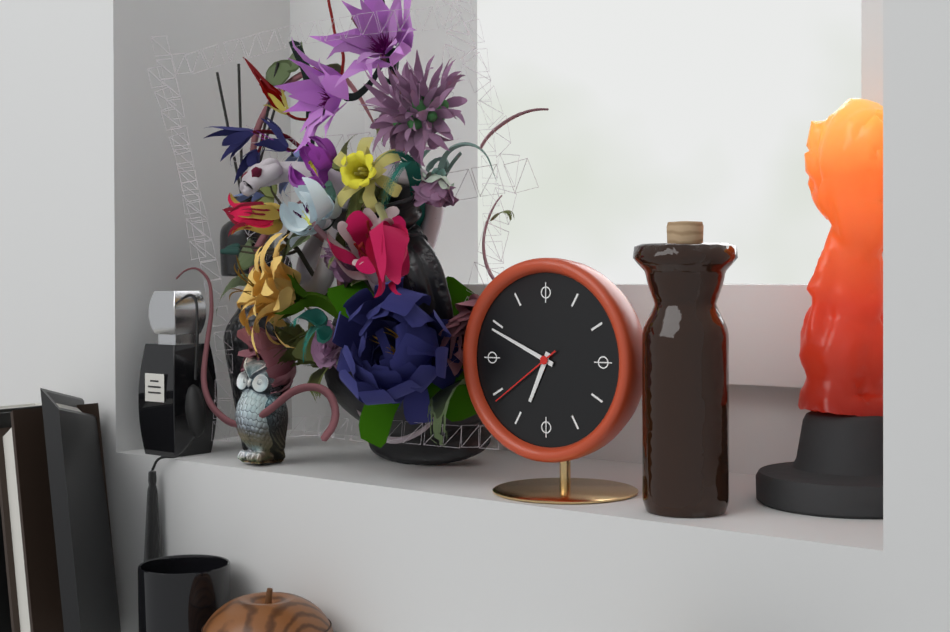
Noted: 6h49m39s
